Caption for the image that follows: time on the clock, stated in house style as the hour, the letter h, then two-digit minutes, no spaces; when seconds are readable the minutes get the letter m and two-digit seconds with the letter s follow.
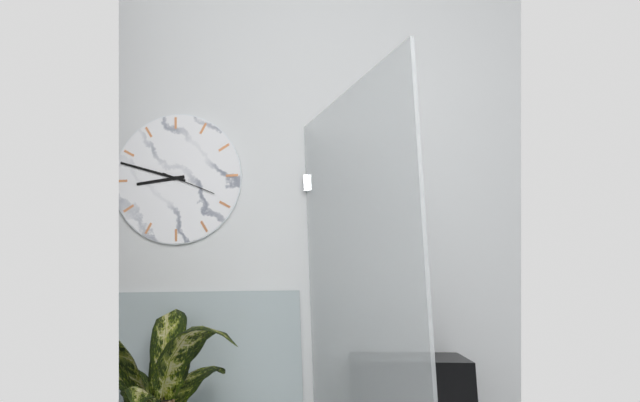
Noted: 8h48m19s
